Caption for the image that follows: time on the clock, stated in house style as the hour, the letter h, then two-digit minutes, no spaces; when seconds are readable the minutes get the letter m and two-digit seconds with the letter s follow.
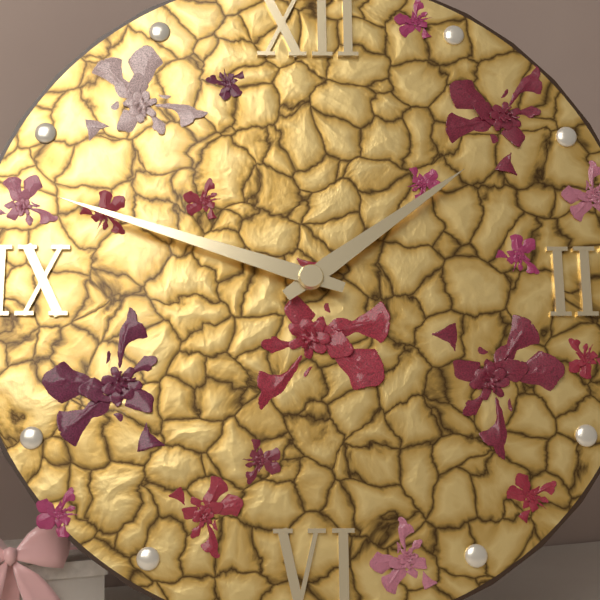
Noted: 1h48
